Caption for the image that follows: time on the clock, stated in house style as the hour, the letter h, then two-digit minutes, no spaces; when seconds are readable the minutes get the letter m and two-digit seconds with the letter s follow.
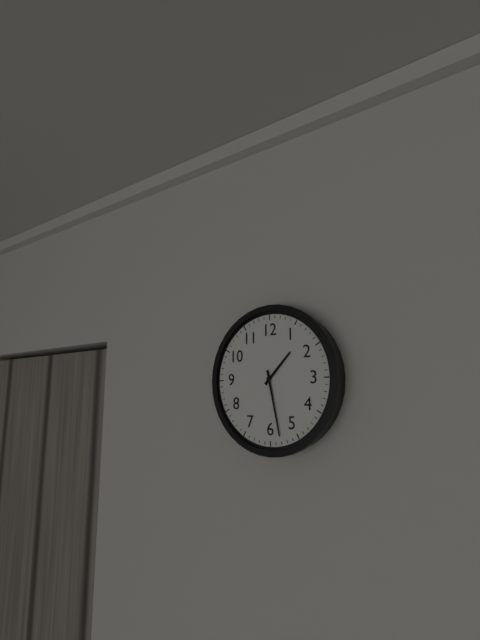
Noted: 1h28
